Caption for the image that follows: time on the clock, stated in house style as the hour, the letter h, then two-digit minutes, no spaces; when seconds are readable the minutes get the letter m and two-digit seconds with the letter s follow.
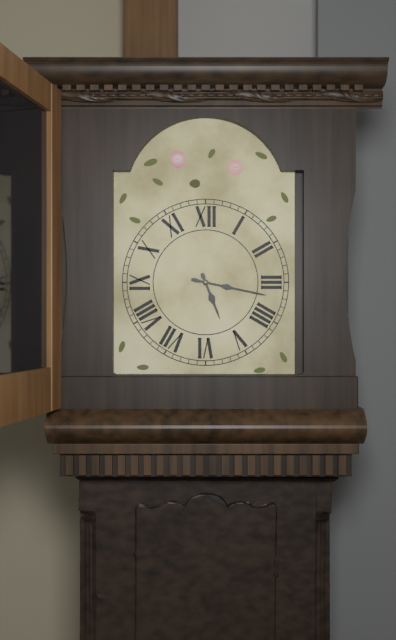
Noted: 5h17
